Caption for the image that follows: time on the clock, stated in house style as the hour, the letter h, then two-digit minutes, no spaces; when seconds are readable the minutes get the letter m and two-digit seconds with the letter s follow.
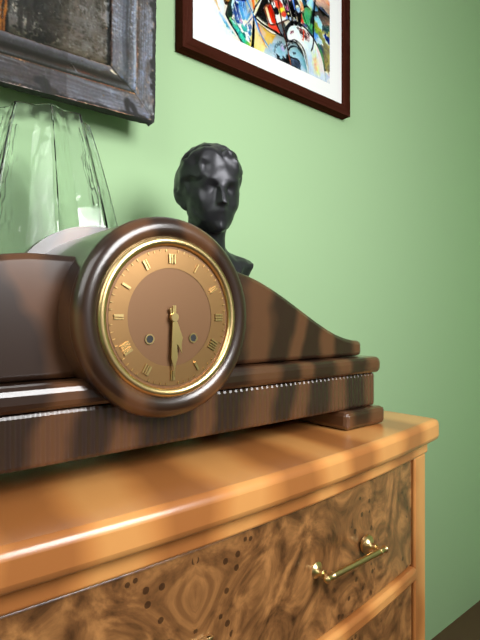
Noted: 5h30
